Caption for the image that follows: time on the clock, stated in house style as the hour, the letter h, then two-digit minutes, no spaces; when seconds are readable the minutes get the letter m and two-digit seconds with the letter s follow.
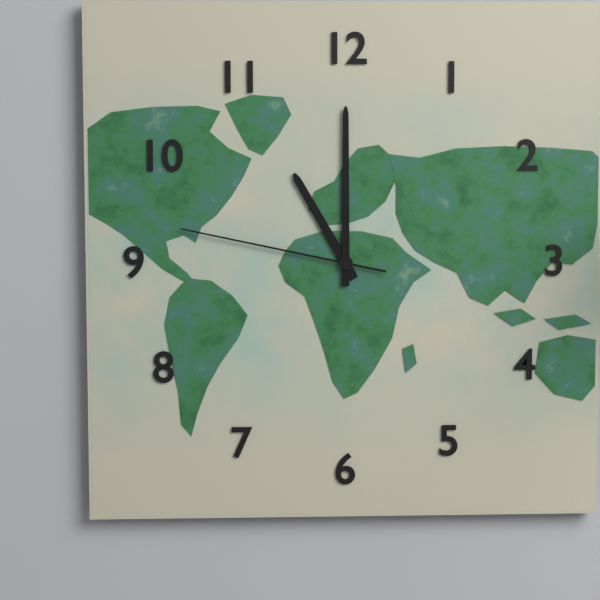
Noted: 11h00m47s
